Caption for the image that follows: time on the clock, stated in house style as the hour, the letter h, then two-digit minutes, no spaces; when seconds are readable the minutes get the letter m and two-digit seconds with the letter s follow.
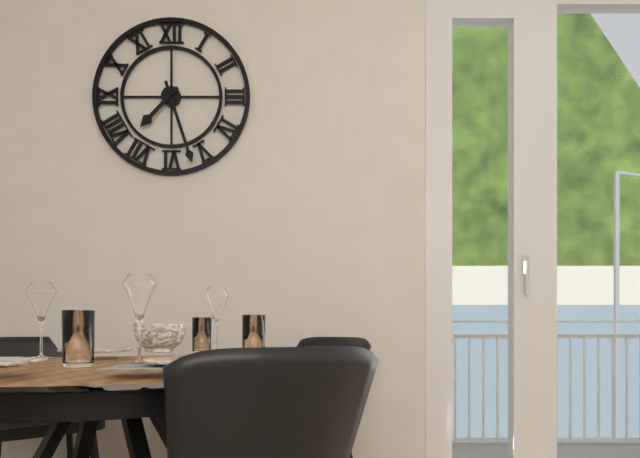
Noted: 7h27
